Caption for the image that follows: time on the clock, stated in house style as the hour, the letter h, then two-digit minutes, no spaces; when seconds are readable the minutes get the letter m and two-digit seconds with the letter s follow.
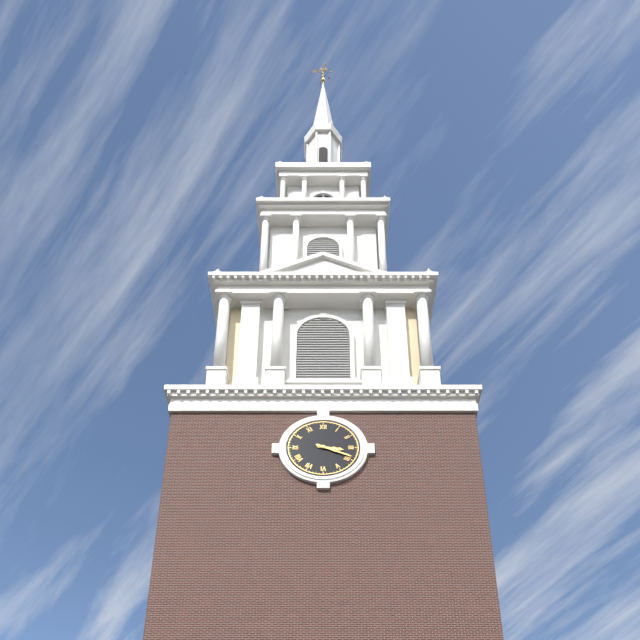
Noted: 3h19
